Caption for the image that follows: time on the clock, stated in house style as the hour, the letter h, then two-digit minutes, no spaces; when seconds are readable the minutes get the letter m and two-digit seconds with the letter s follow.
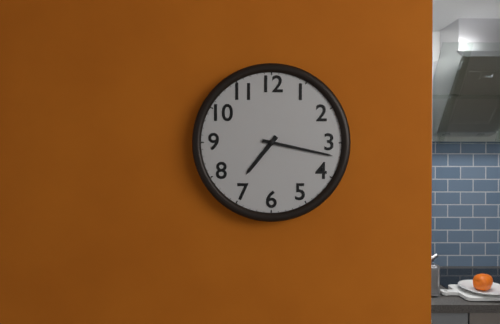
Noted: 7h17
